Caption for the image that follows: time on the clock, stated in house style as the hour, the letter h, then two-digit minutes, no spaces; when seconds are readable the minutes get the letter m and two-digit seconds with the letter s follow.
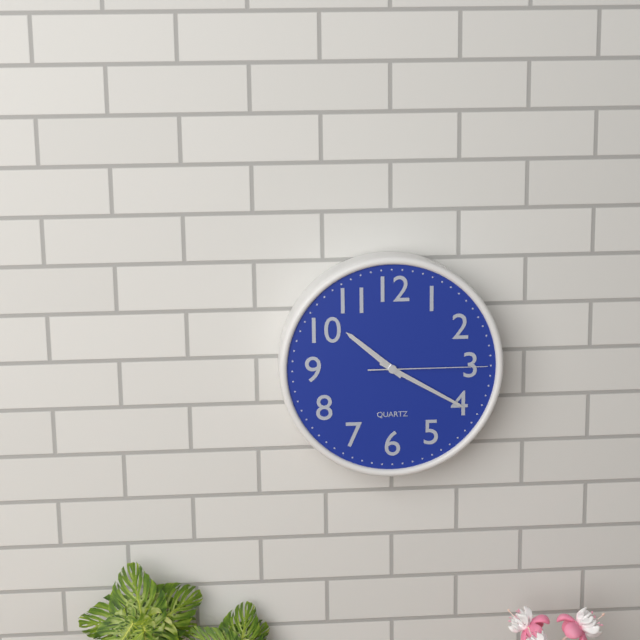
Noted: 10h20m15s
